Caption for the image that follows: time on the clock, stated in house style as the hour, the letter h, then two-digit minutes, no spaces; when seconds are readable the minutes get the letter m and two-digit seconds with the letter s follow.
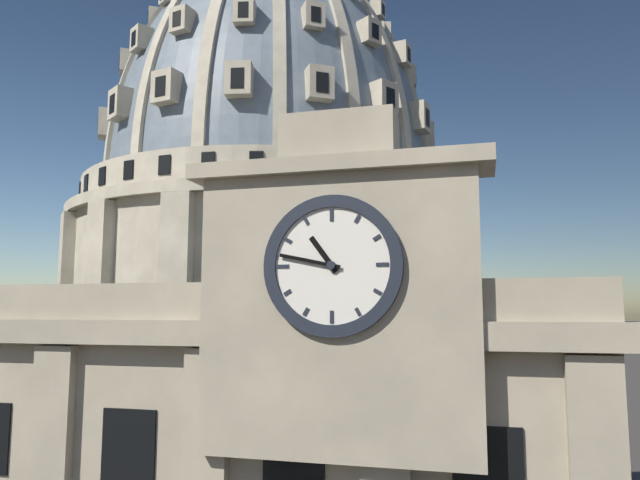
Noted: 10h47
